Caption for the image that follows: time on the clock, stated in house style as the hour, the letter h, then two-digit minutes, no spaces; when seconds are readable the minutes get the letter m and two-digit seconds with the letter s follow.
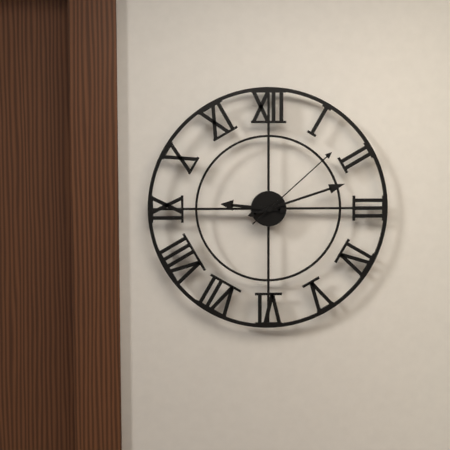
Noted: 9h12m08s
